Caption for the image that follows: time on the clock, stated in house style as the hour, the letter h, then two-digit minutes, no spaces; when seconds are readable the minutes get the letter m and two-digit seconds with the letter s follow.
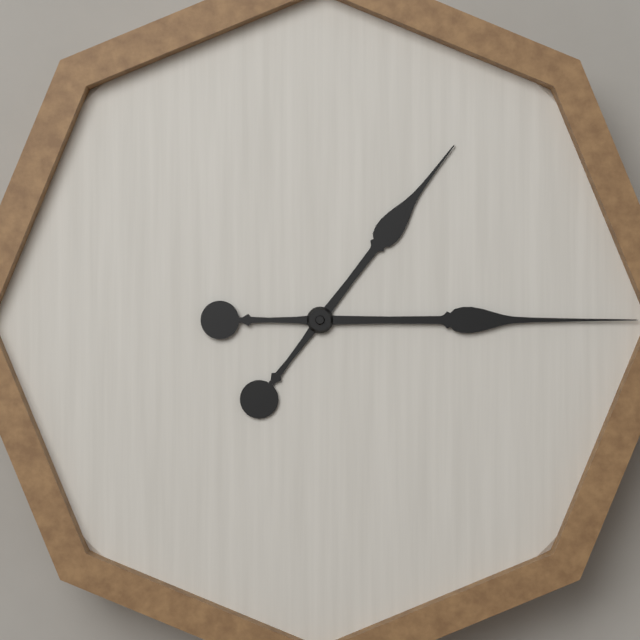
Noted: 1h15
